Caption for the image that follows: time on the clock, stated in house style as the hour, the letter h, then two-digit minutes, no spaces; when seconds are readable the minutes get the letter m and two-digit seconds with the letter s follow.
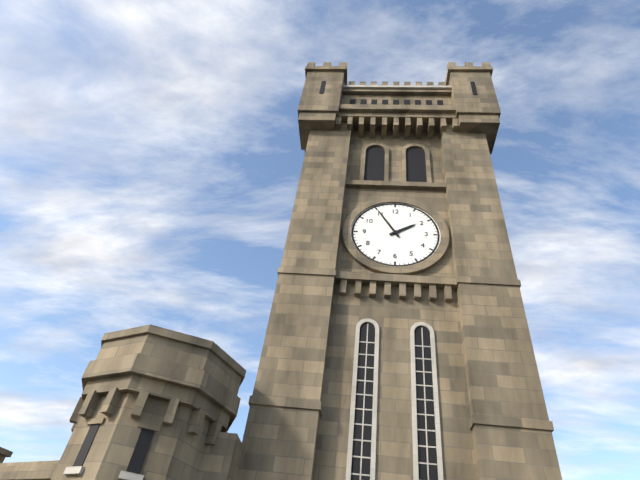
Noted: 1h55
